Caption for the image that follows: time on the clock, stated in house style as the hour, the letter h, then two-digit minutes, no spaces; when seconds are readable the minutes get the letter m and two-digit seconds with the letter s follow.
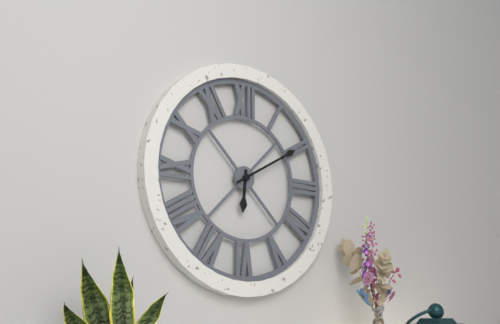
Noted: 6h10m10s
